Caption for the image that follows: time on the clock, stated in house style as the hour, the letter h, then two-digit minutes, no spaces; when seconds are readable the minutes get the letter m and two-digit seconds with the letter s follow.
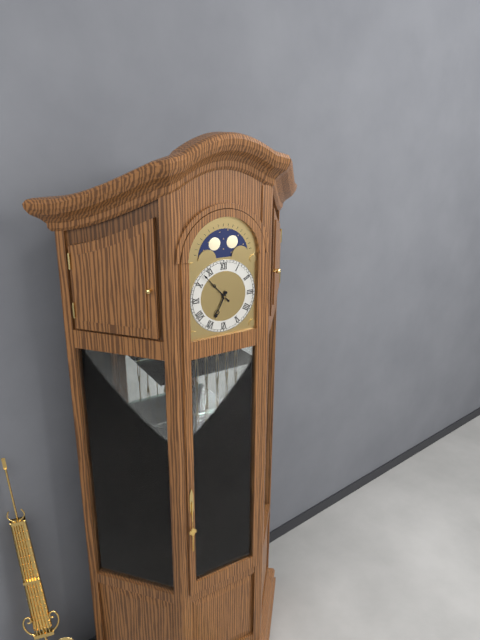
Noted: 6h53
